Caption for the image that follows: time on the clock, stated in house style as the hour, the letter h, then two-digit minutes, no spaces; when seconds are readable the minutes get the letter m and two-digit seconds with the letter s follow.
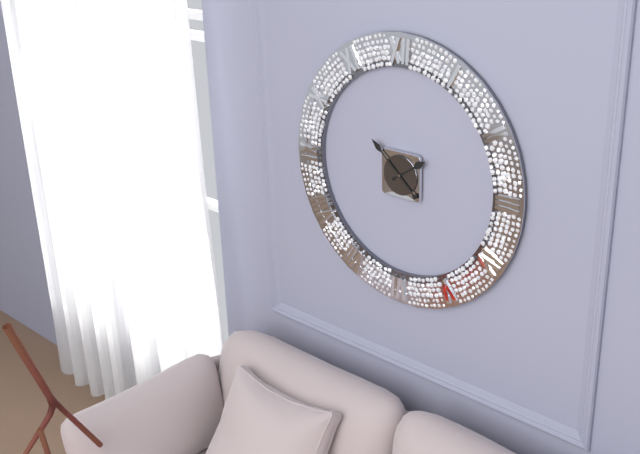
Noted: 1h52
